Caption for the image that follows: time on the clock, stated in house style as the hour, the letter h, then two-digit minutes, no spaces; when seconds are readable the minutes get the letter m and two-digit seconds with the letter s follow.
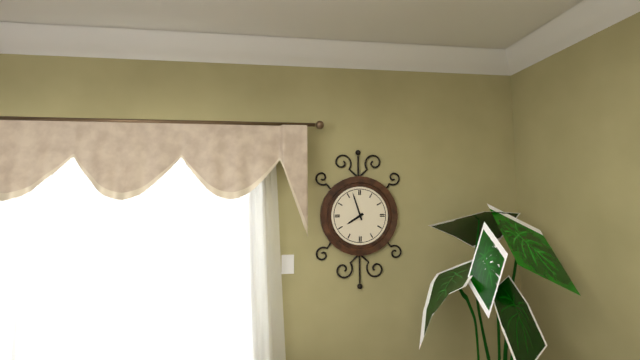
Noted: 7h57
